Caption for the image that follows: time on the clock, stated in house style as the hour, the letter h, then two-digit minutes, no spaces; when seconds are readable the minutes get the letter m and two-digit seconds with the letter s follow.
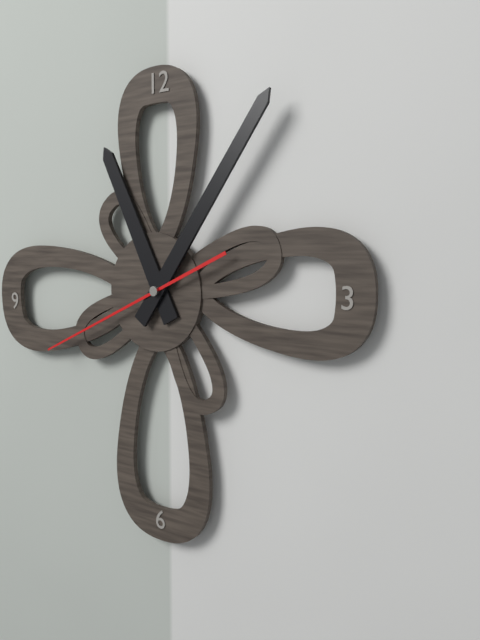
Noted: 11h06m41s
